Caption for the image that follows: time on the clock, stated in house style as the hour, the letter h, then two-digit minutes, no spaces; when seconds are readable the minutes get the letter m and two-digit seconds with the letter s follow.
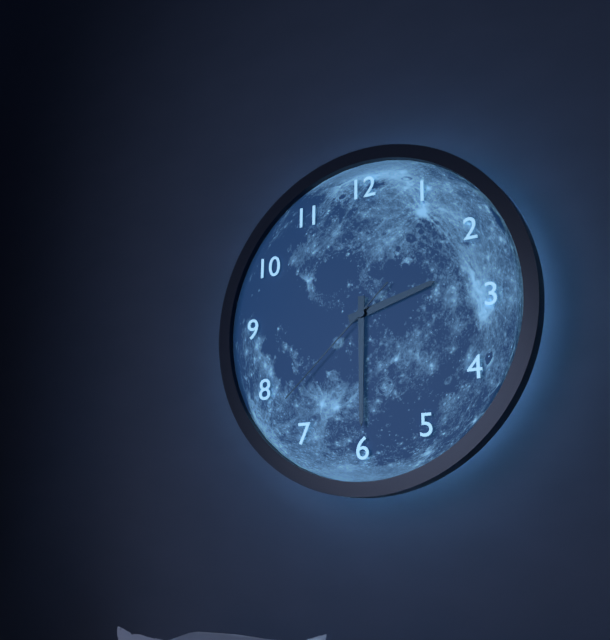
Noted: 2h30m38s
